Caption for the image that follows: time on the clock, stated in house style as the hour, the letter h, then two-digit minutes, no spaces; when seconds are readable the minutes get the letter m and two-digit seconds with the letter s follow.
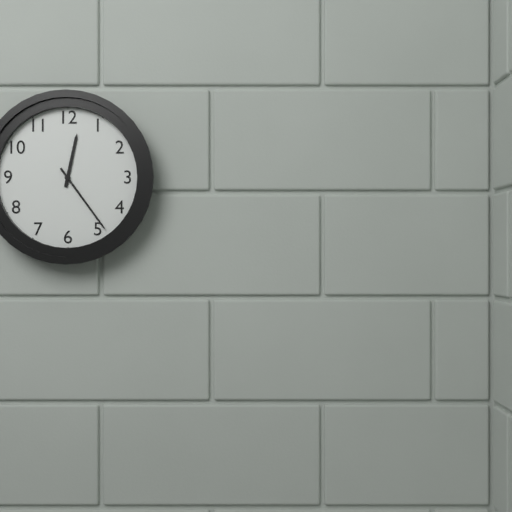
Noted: 12h24
